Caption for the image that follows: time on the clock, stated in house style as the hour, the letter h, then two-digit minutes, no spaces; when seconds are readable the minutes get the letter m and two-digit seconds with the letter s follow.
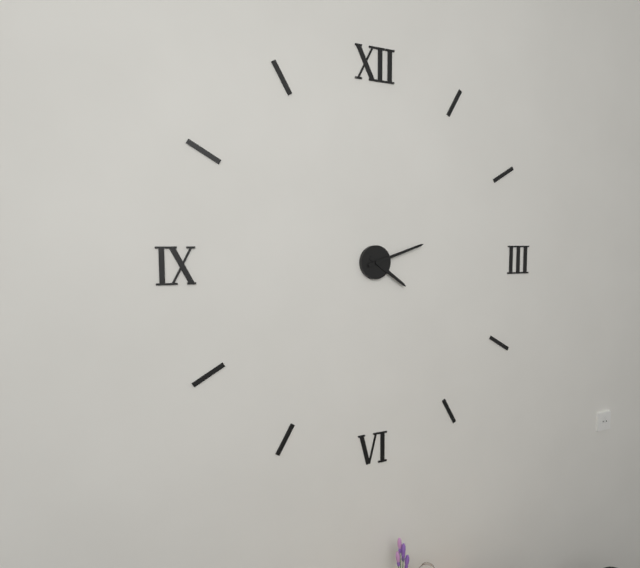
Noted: 4h12
